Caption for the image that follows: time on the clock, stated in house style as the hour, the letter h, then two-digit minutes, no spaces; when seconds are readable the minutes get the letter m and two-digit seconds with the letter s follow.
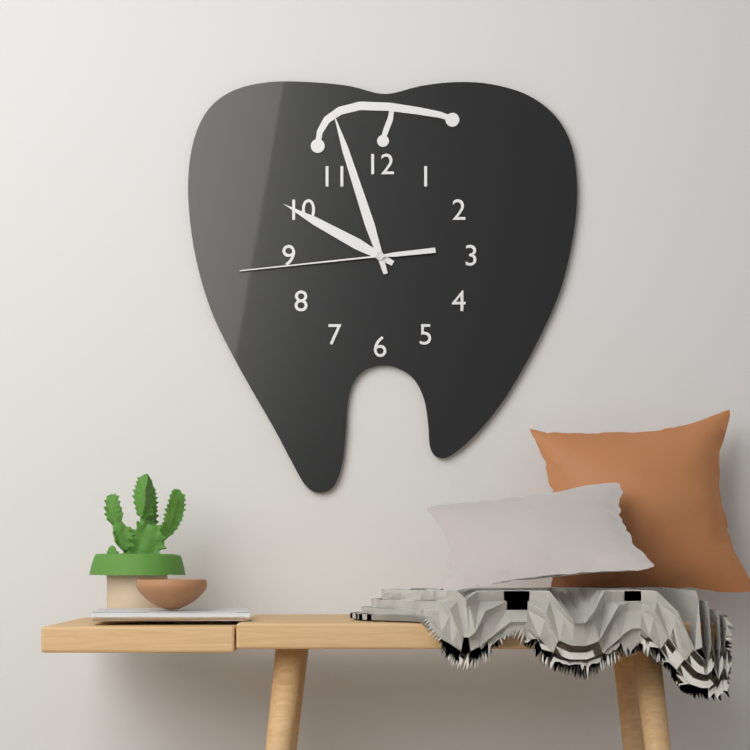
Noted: 9h57m44s
